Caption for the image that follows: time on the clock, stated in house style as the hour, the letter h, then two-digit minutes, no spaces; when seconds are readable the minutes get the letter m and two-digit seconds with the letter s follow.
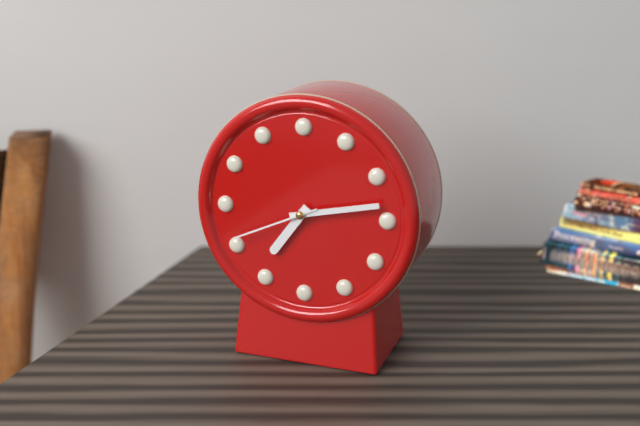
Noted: 7h13m41s
